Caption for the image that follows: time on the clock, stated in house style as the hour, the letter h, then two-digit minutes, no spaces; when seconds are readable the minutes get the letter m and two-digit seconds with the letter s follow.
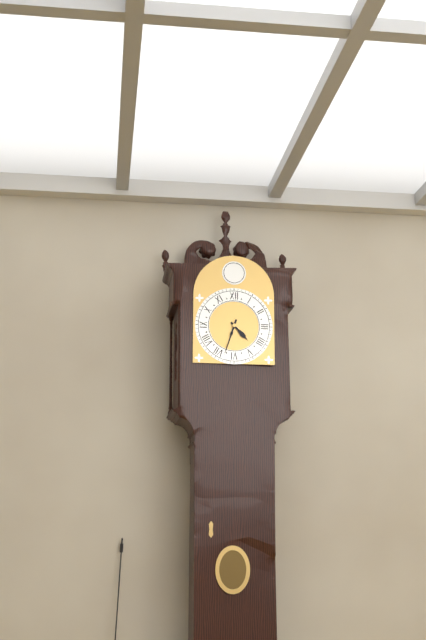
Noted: 4h33
